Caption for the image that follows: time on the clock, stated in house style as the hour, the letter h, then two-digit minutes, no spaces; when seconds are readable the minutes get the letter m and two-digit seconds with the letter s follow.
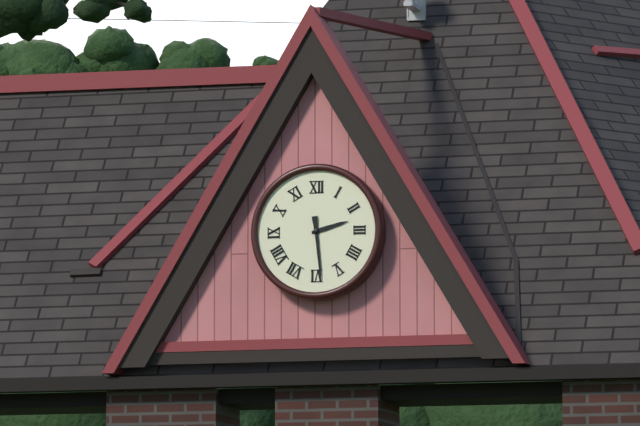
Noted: 2h29
